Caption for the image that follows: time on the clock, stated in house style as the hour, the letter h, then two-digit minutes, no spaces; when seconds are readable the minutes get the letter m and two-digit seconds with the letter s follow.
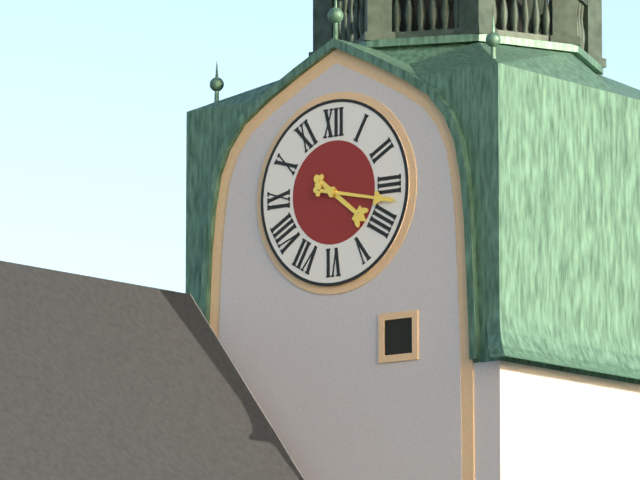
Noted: 4h17
